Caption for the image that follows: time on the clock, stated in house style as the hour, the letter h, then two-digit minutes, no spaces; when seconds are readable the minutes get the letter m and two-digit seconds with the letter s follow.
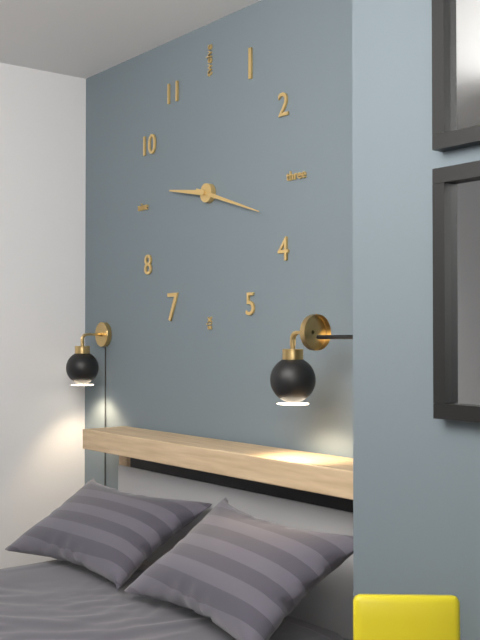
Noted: 9h18
